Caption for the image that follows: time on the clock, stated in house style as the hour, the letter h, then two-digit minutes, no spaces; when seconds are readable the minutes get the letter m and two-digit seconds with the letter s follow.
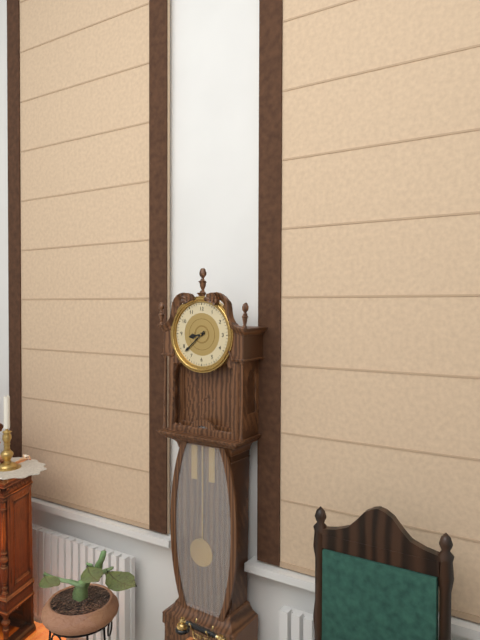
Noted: 8h38
